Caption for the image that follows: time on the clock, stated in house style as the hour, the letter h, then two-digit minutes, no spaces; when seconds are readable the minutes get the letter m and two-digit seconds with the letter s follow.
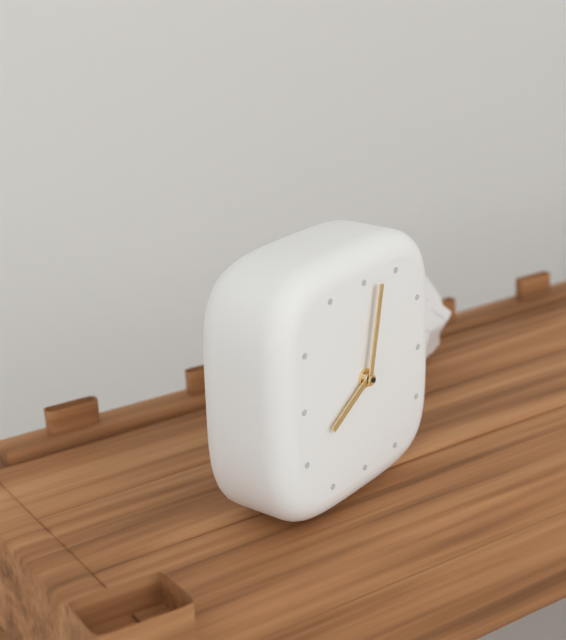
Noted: 8h02
